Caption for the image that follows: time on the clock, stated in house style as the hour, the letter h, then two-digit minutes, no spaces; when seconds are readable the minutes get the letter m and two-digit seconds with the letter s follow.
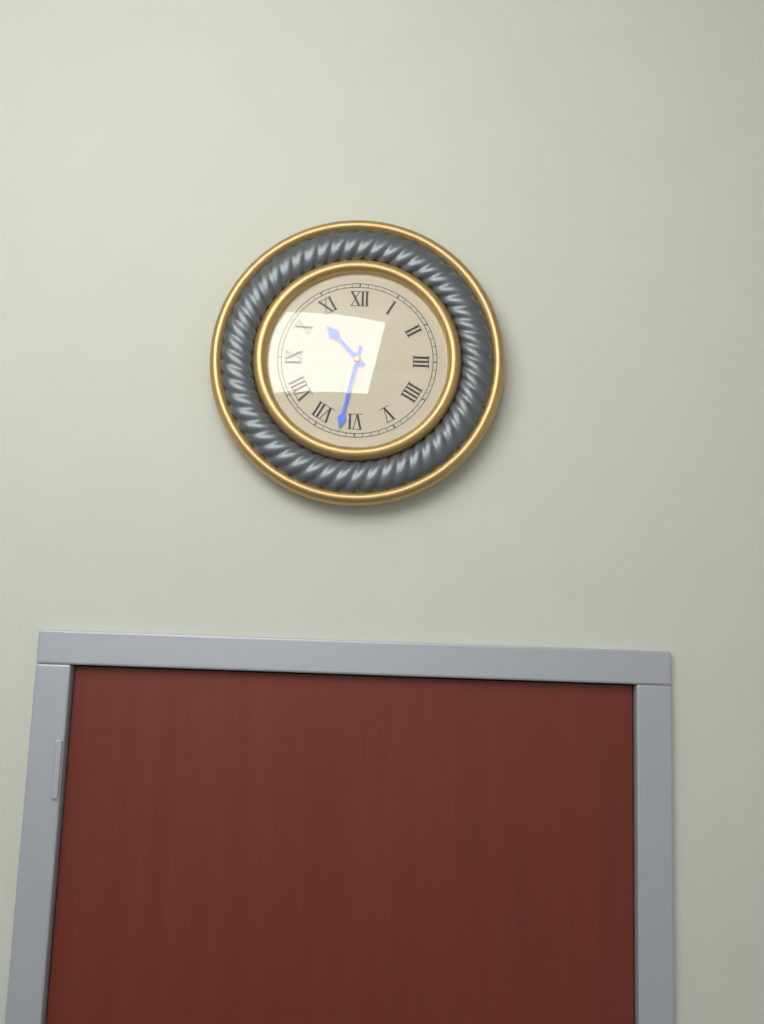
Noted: 10h32
